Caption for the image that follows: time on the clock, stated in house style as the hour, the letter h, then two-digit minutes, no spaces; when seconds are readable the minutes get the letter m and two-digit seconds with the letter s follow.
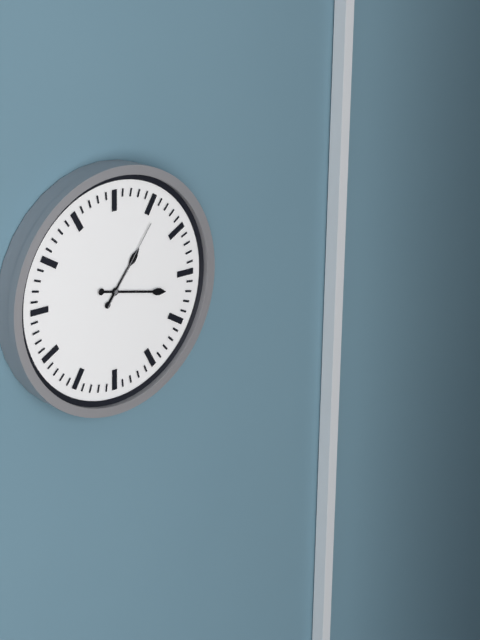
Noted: 1h17m06s
